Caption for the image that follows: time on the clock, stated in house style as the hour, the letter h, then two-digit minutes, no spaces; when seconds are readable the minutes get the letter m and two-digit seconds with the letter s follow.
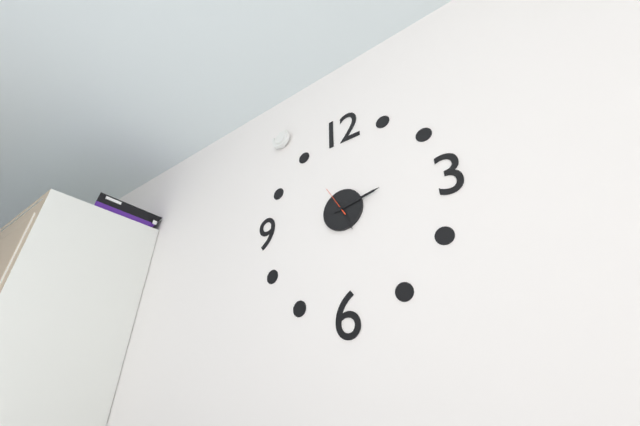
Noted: 5h13
